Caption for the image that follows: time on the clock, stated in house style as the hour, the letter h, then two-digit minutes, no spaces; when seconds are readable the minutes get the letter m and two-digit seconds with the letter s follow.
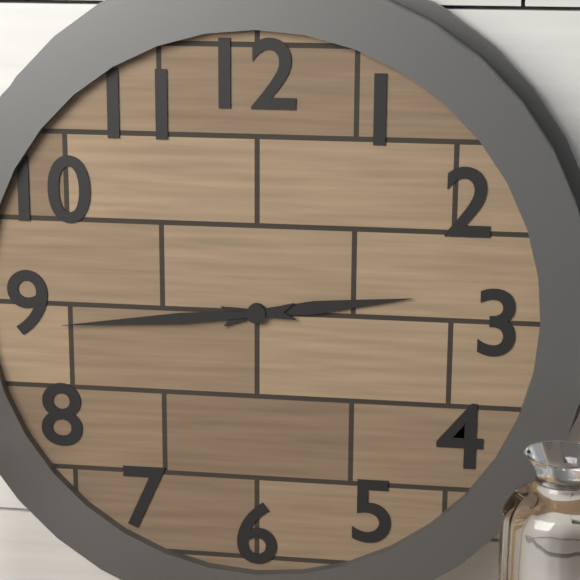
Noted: 2h44
